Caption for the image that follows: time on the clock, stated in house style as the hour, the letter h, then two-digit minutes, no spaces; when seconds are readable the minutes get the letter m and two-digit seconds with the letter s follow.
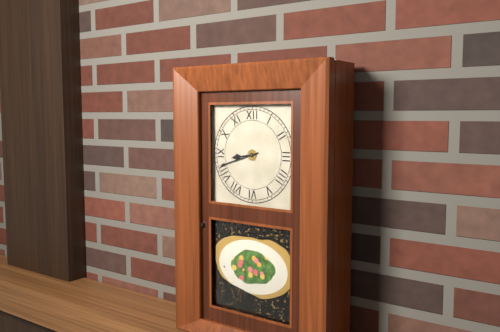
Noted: 8h42
